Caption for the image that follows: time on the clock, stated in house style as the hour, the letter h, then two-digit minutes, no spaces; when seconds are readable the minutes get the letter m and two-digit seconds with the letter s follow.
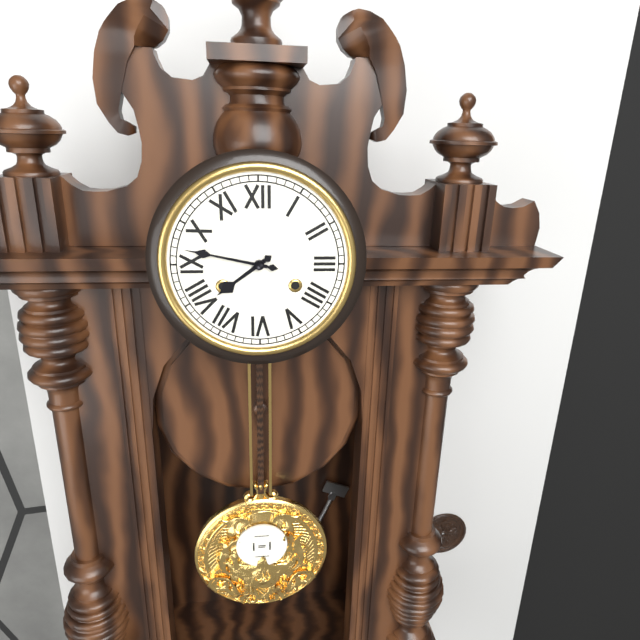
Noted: 7h47
